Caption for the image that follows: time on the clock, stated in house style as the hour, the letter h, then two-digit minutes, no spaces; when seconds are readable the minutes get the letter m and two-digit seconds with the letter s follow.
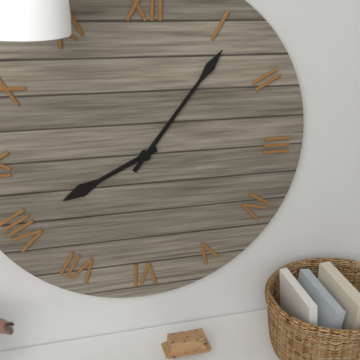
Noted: 8h06
